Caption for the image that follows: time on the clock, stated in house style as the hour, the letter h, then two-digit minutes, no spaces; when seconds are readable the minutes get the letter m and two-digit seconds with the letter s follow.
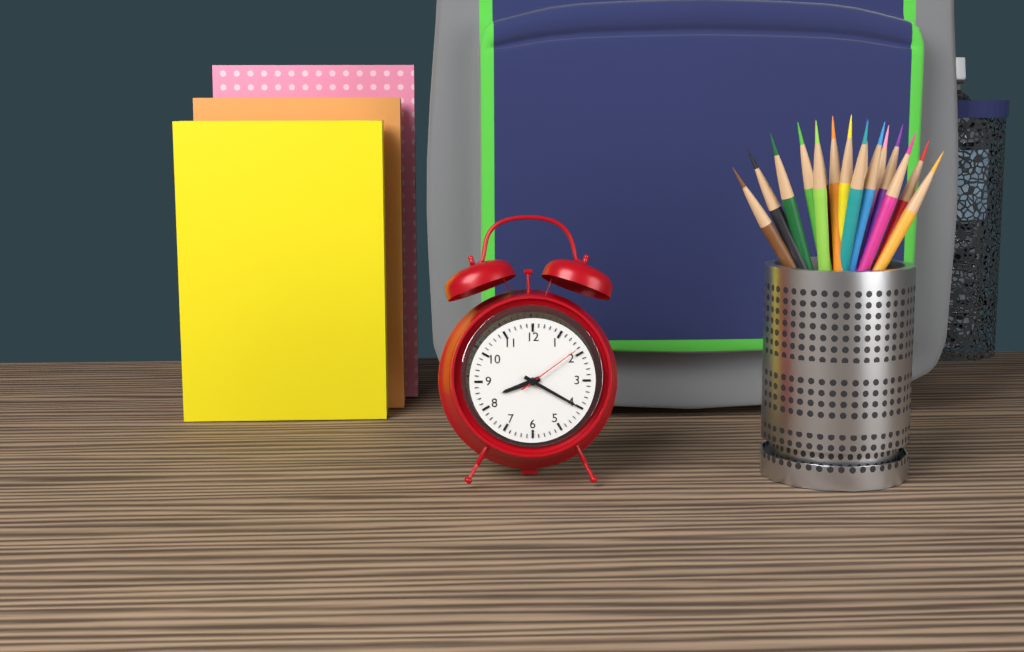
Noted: 8h20m09s
